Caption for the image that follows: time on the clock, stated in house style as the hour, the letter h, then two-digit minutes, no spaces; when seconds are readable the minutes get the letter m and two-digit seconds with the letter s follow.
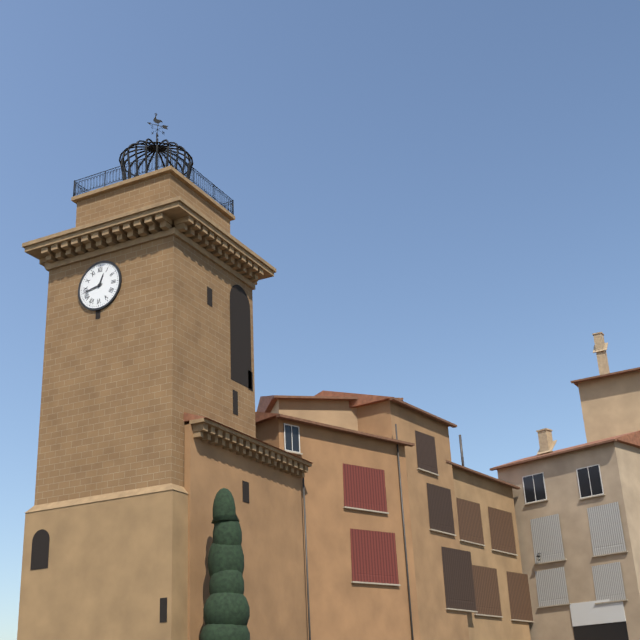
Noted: 12h43
